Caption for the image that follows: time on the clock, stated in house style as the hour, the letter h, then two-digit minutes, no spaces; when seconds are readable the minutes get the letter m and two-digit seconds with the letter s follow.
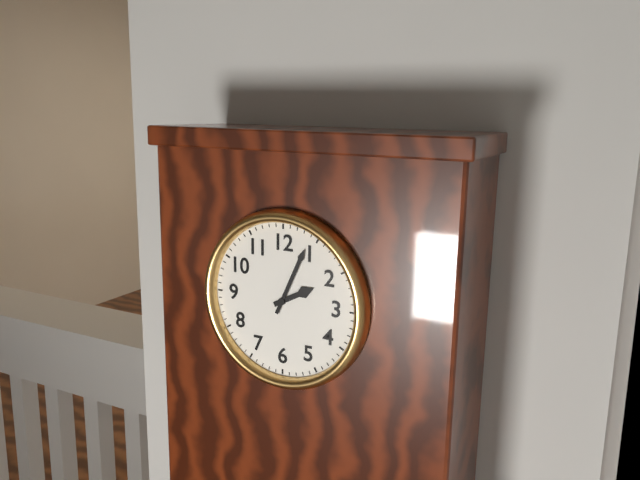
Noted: 2h04
